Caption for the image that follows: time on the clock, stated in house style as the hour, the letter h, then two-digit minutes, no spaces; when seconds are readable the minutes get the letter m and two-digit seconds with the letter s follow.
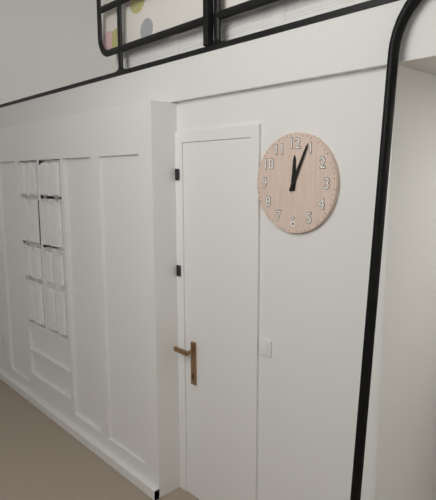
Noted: 12h04
